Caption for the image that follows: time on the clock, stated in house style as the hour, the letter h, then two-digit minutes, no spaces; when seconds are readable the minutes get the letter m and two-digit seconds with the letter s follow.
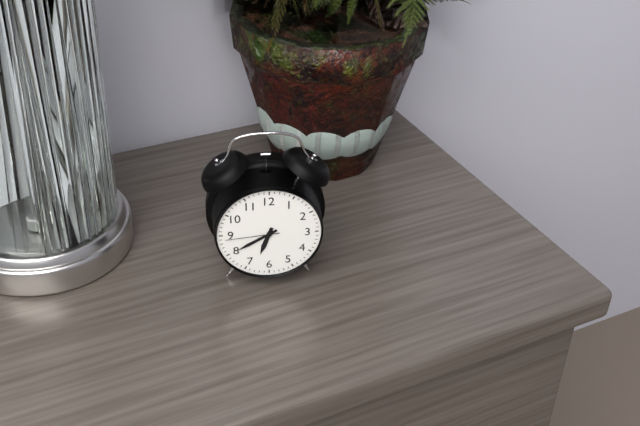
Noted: 6h40m44s
